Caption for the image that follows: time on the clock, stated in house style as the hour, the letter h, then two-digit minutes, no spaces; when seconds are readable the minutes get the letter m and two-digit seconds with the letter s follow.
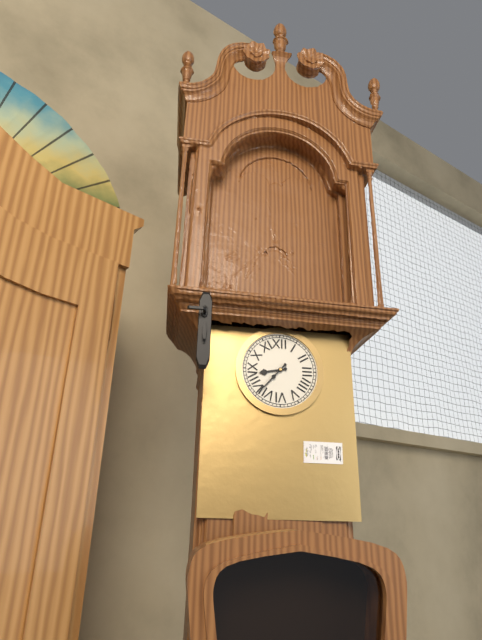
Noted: 8h37
